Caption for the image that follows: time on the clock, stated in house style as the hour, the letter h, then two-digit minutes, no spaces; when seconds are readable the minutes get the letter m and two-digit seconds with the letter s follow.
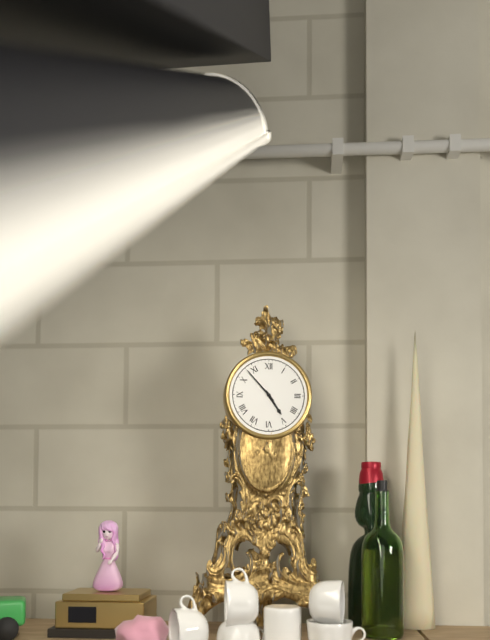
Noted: 4h53
